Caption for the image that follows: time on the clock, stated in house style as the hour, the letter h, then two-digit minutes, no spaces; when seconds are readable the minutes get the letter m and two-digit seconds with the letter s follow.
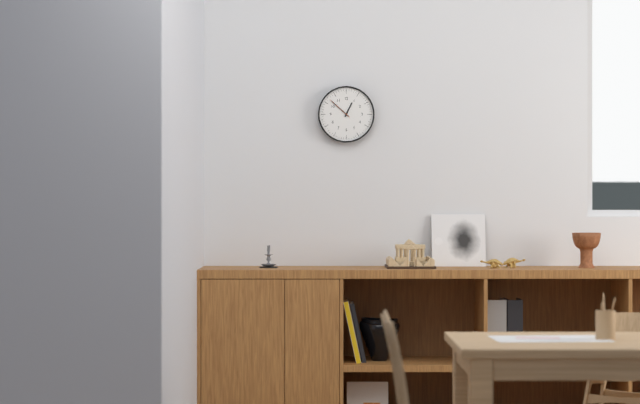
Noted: 12h52
